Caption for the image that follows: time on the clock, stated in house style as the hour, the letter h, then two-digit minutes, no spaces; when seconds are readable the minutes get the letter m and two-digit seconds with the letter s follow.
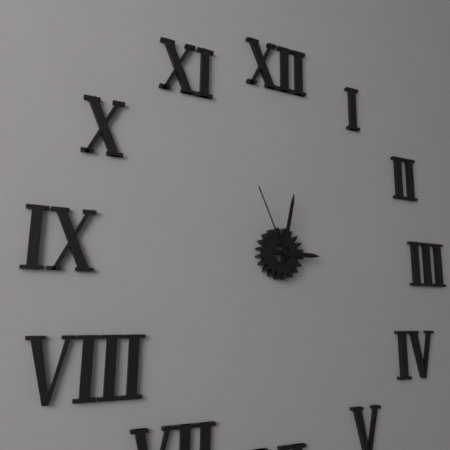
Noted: 3h02m56s
